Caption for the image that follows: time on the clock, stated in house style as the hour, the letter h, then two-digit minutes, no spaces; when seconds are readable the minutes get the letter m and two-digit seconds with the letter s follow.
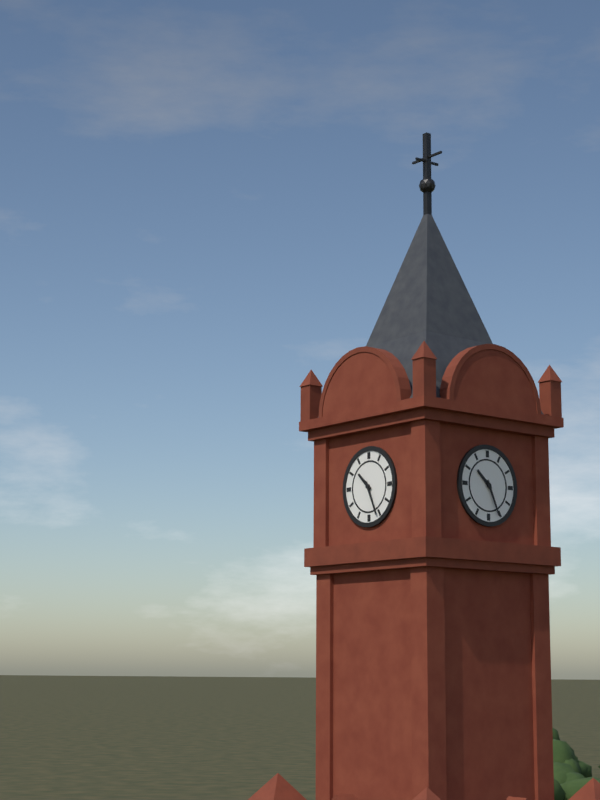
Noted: 10h26
